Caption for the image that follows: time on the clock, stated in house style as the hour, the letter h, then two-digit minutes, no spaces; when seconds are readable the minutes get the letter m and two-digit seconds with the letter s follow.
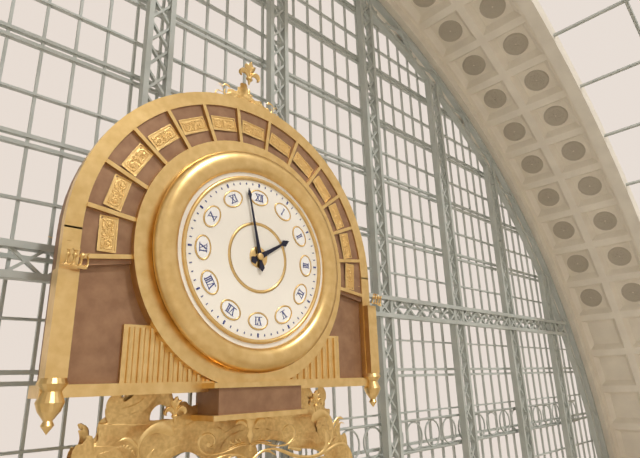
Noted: 1h58
